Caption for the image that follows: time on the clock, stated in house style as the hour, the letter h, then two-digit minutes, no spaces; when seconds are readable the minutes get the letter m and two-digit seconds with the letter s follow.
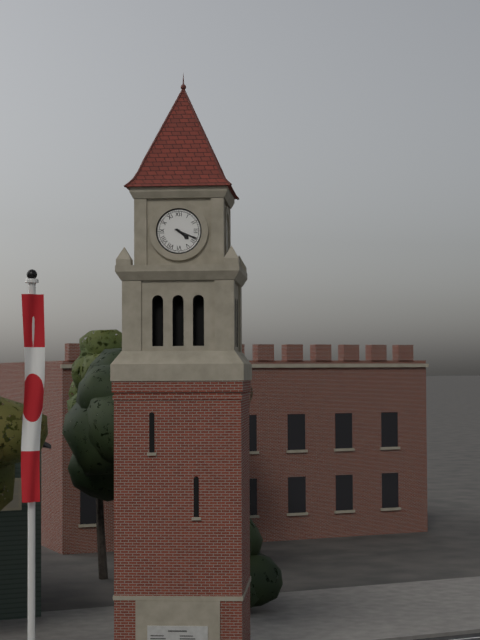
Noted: 4h19
